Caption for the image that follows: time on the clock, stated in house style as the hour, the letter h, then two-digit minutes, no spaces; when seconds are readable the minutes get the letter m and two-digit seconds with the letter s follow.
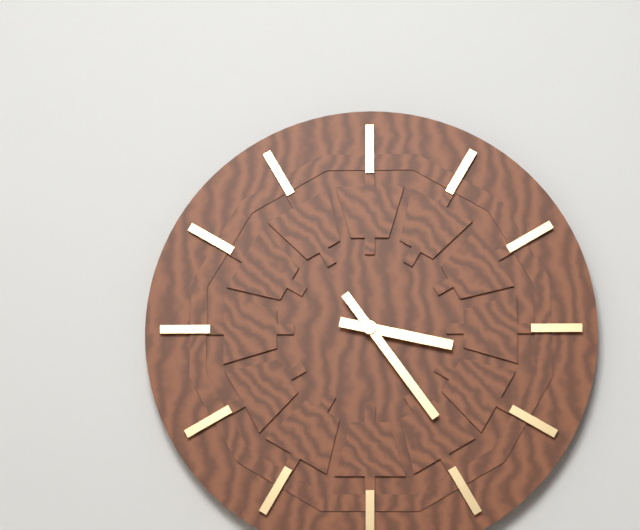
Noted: 3h24
